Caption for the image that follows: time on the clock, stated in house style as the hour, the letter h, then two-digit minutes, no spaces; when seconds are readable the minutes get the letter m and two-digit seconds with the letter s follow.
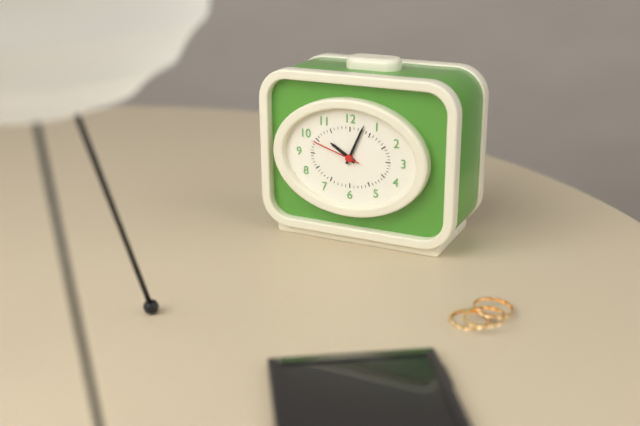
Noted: 10h04m48s
